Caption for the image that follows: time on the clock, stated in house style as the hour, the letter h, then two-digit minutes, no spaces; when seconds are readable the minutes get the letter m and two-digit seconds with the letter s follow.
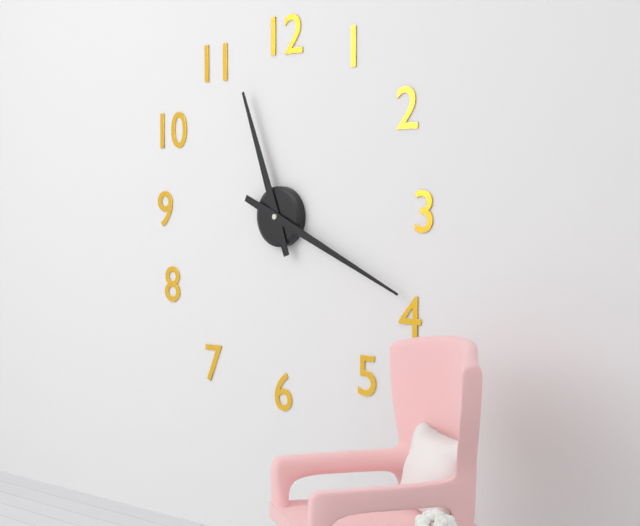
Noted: 11h19
